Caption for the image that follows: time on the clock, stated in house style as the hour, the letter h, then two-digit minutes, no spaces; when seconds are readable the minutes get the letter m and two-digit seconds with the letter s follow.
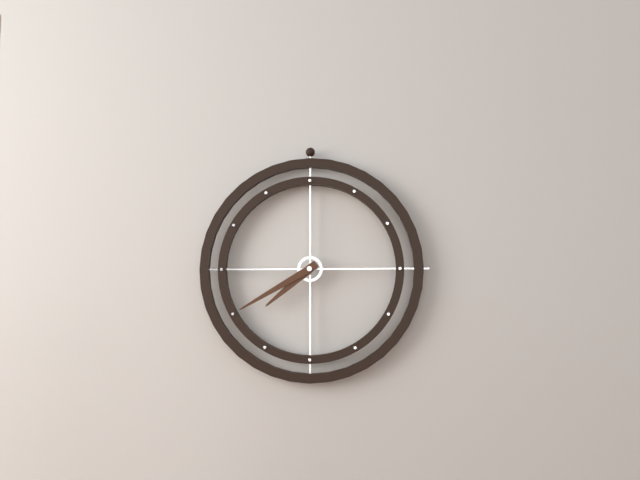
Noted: 7h40
